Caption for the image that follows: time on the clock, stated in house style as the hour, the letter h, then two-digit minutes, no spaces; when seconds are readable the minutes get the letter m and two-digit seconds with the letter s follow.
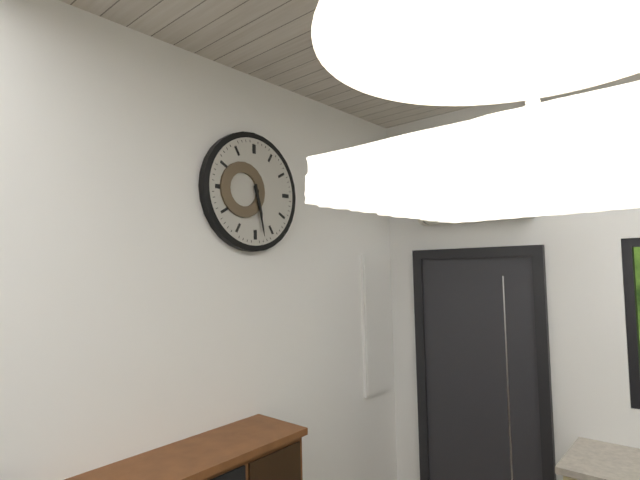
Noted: 5h28
